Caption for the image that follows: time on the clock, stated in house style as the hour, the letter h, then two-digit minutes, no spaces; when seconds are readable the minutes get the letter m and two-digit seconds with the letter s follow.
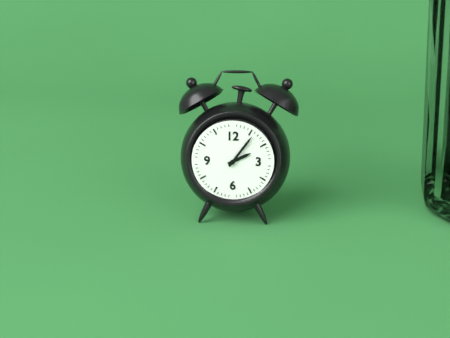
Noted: 2h06
